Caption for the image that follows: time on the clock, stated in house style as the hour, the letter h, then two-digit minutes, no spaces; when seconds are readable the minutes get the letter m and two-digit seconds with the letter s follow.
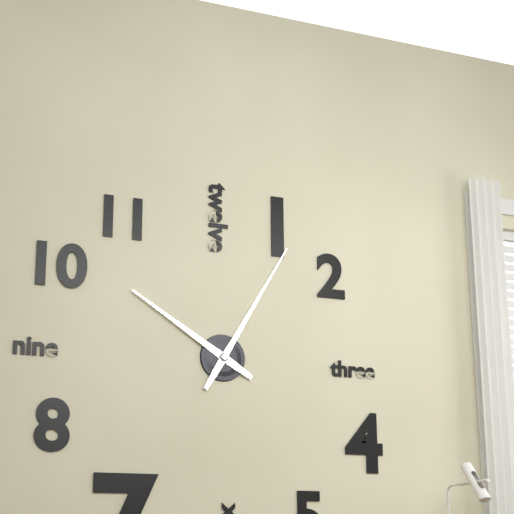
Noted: 10h05
